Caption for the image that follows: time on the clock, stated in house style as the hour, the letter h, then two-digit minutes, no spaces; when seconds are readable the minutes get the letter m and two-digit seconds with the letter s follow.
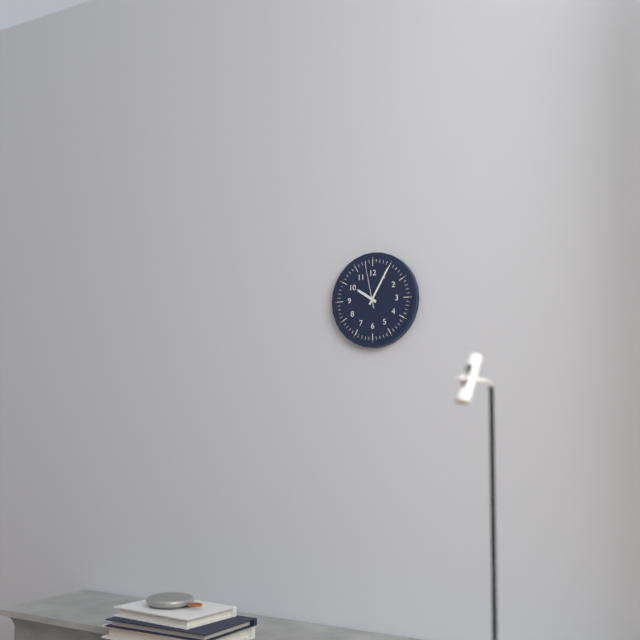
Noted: 10h05
